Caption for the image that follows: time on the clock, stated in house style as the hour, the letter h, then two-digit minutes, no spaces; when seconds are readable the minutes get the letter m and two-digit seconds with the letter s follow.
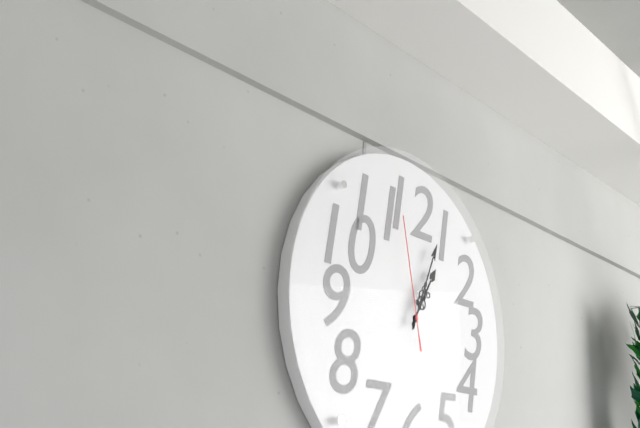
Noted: 1h04m58s
